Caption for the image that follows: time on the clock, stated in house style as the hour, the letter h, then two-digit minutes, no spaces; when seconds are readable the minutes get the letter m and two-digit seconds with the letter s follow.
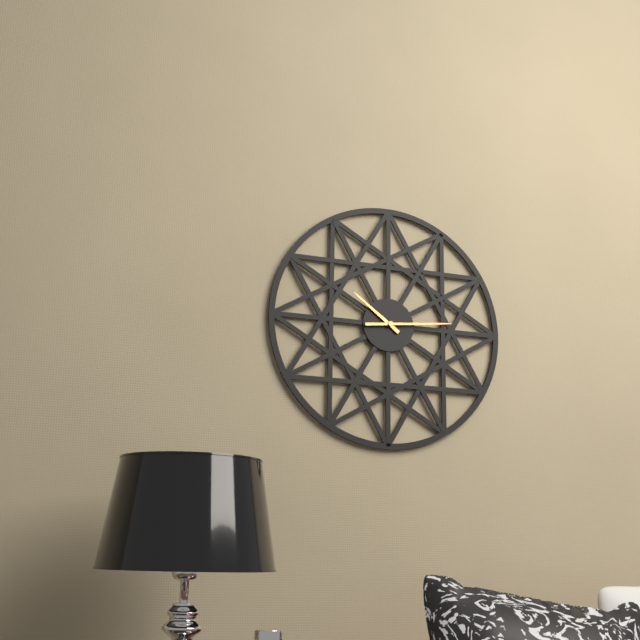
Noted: 10h14
